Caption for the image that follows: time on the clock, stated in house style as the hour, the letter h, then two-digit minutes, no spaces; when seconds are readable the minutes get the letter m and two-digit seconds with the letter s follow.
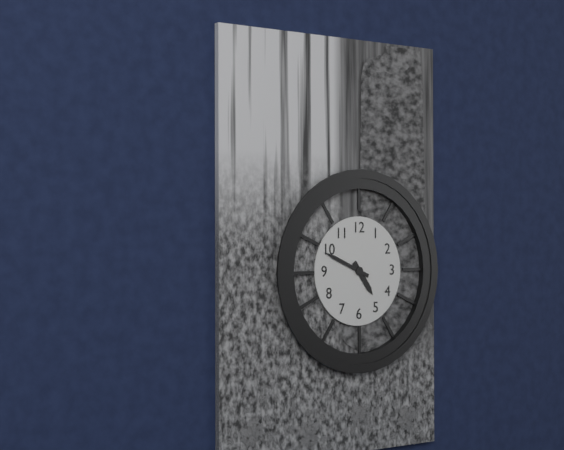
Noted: 4h49
